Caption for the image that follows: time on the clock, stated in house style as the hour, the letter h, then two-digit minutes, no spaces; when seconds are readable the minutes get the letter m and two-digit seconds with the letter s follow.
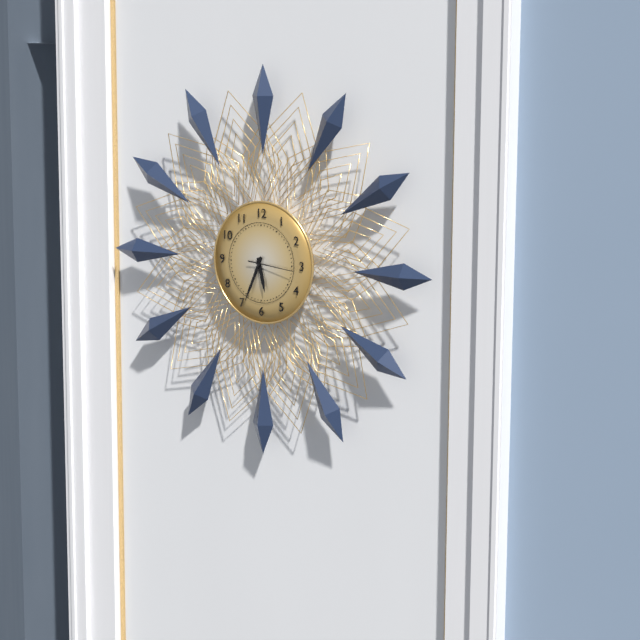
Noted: 5h34
